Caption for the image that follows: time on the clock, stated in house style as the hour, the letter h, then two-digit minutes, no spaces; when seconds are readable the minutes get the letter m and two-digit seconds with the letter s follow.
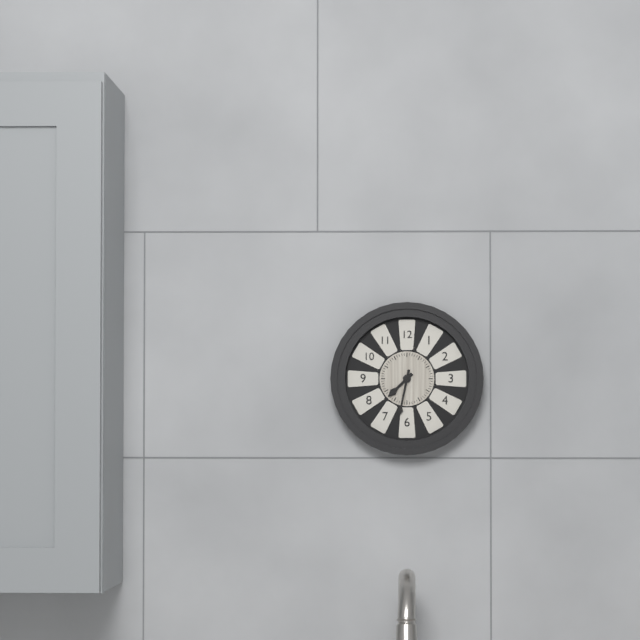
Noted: 7h32
